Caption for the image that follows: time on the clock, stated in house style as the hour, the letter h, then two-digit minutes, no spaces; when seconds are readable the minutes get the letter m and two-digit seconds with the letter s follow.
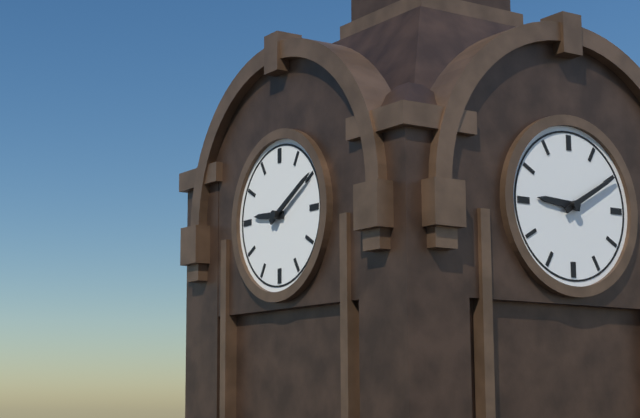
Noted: 9h10
